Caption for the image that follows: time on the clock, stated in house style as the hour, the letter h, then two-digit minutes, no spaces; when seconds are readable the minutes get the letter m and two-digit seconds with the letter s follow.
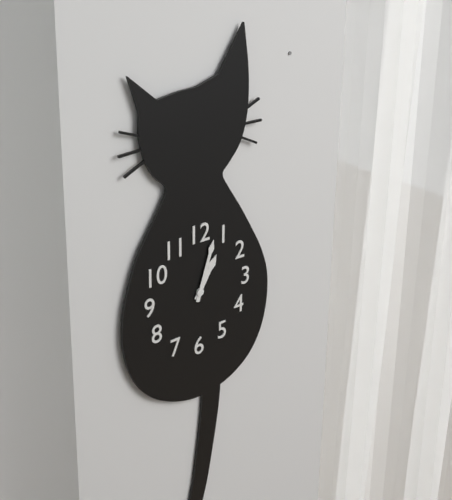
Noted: 1h03
